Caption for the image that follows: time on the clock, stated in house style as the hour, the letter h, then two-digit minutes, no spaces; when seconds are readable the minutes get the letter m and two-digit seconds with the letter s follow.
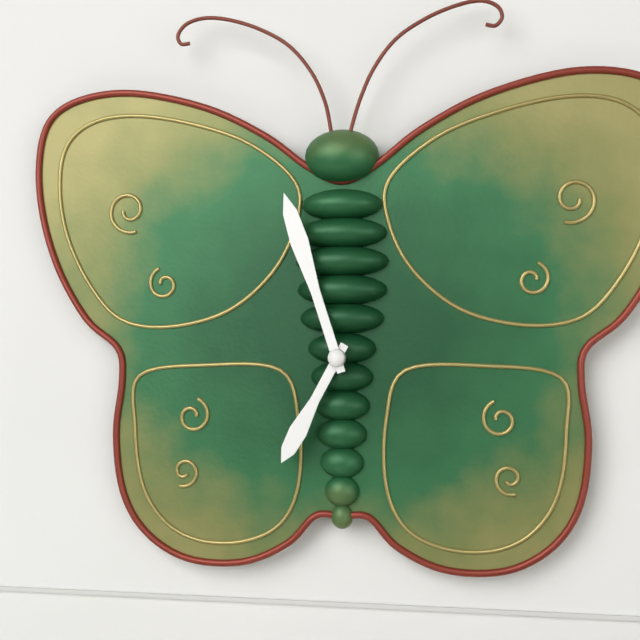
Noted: 6h57
